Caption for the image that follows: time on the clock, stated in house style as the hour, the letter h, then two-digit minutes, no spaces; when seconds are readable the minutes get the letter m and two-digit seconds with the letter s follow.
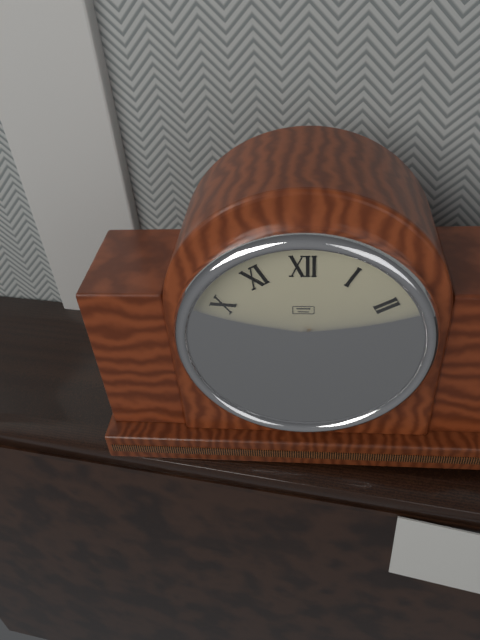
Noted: 8h33
